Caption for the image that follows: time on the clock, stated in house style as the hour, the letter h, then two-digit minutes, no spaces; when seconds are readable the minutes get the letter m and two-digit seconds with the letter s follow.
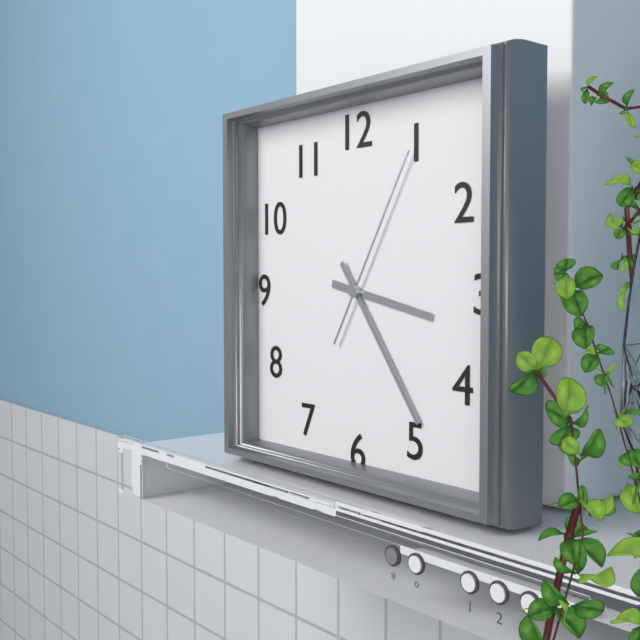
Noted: 3h24m05s
